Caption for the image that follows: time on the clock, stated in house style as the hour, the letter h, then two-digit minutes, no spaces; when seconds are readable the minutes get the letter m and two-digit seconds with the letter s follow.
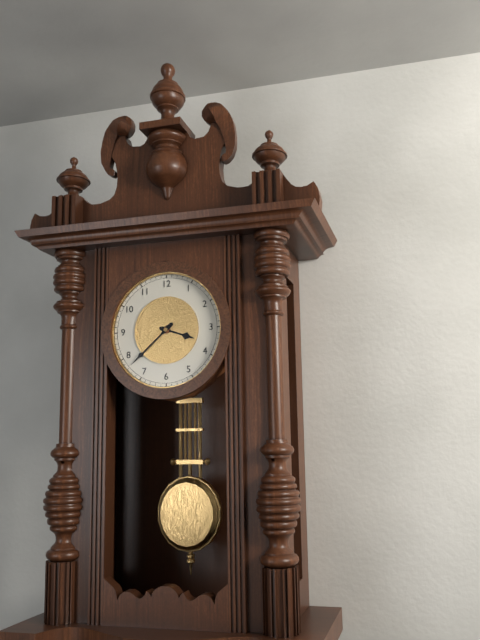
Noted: 3h38
